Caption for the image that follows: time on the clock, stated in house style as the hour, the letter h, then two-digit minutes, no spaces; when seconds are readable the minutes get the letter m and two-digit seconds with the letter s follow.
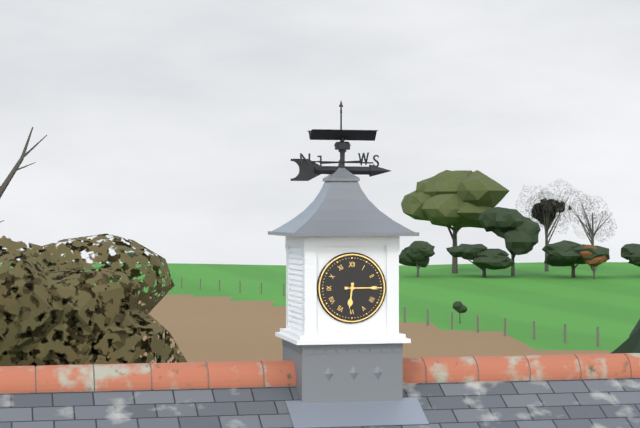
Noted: 6h15
